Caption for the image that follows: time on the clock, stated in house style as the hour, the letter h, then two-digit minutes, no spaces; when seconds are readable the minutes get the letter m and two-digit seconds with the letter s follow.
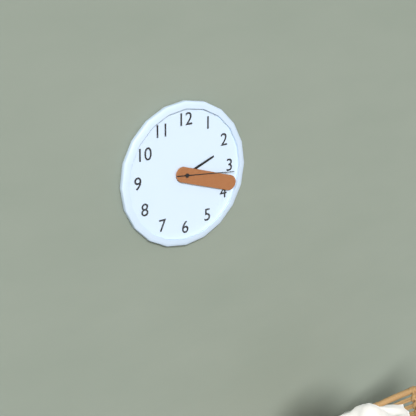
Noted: 2h18m16s
